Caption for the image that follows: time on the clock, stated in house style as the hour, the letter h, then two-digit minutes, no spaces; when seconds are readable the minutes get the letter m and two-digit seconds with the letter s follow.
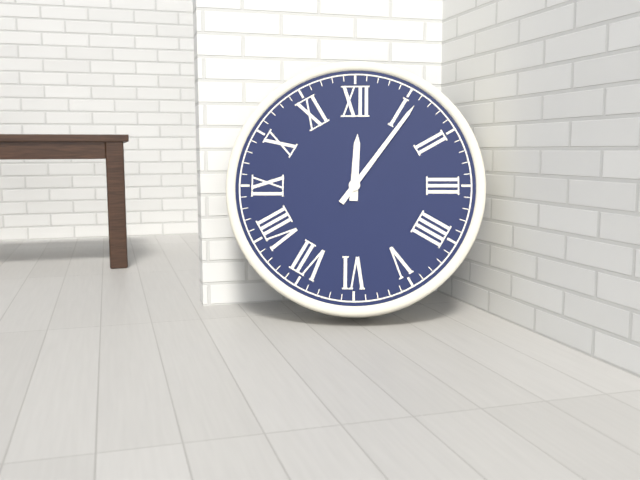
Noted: 12h06
